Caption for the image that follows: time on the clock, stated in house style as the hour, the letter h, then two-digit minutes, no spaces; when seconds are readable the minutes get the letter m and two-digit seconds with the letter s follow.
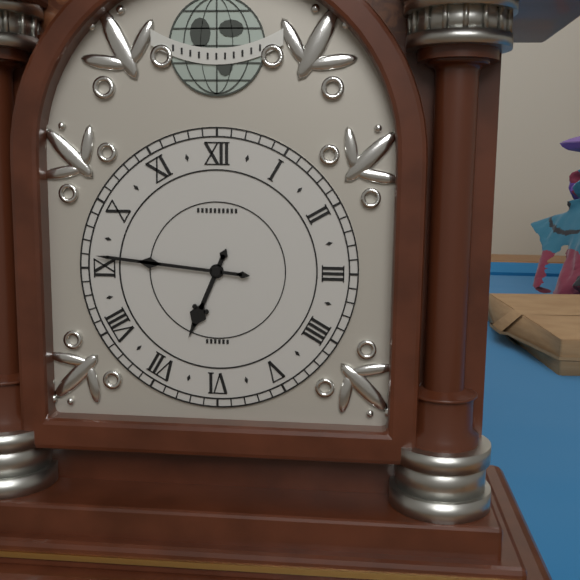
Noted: 6h46
